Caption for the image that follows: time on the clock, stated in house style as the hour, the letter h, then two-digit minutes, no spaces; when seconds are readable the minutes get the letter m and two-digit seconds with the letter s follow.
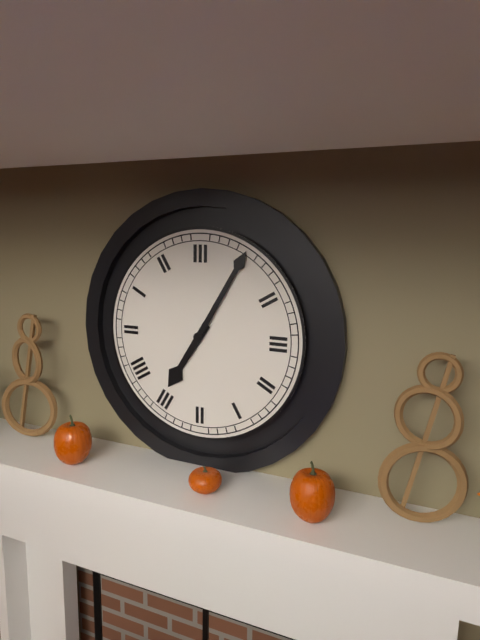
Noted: 7h05
